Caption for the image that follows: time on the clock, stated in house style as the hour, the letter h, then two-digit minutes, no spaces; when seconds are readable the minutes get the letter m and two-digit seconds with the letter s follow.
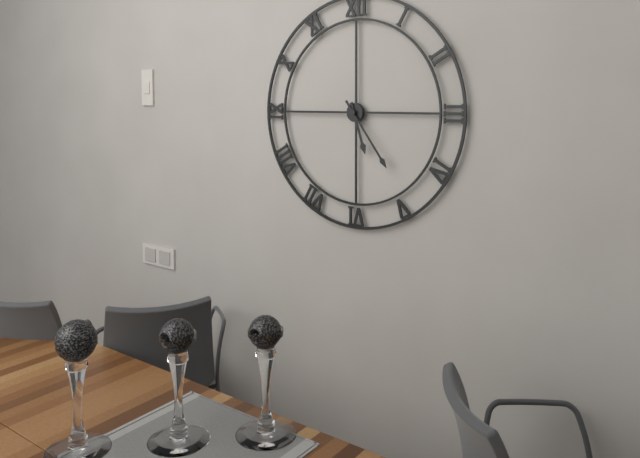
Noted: 5h24
